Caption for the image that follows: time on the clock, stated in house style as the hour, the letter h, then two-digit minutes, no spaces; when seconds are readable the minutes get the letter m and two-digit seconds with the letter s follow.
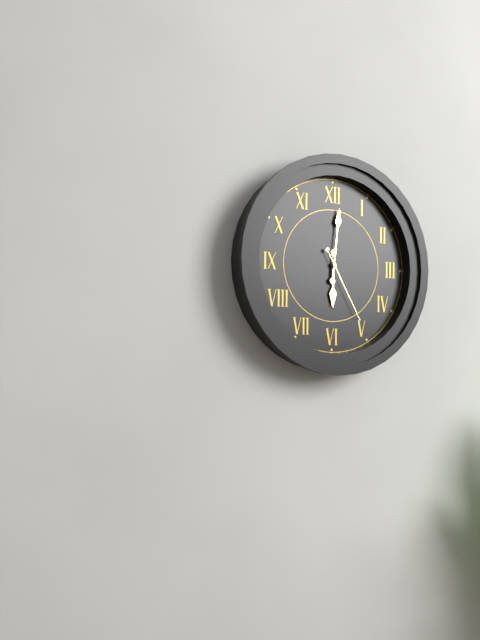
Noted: 6h01m25s
